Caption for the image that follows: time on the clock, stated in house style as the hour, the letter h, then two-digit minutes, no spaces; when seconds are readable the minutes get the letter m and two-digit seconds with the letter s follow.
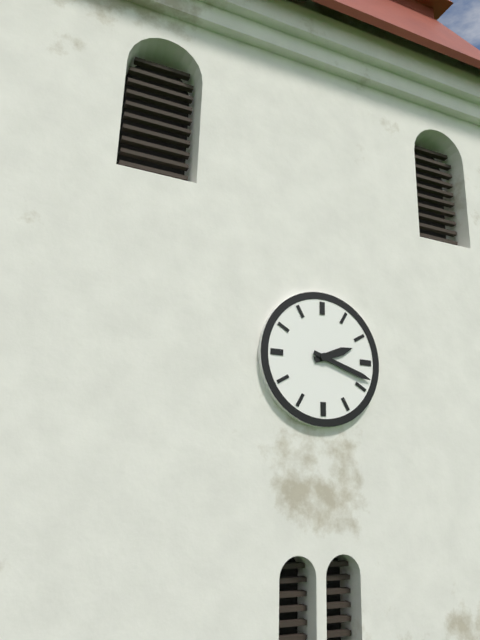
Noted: 2h18
